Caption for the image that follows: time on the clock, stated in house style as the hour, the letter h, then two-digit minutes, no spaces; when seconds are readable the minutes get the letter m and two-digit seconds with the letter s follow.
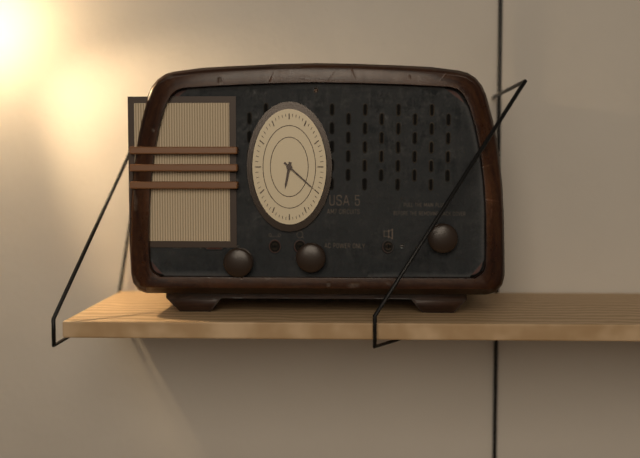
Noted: 6h22
